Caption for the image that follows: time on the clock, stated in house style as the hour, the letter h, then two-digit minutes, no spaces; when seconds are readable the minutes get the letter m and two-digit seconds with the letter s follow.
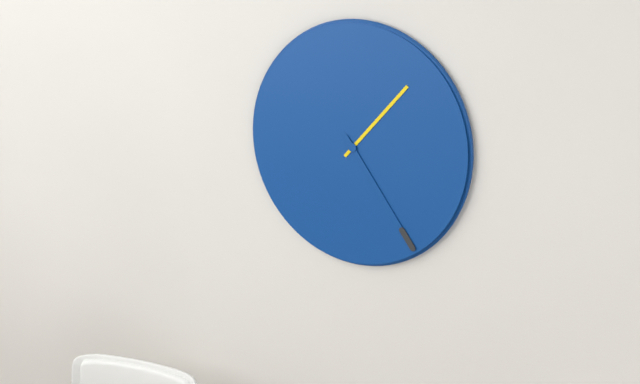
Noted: 1h24
